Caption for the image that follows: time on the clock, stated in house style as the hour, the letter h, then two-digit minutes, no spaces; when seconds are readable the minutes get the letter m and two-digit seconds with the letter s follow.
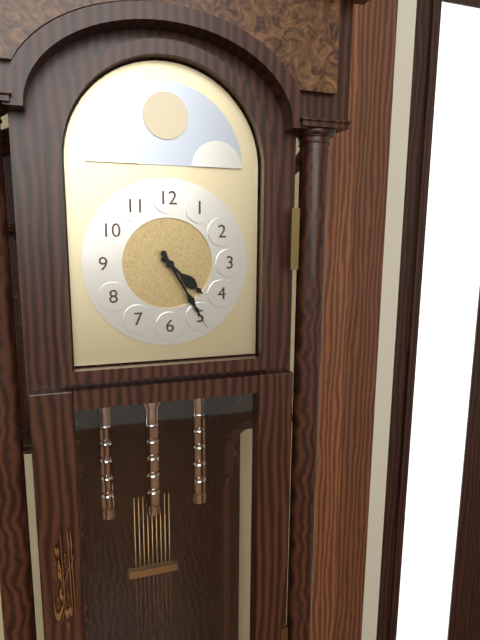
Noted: 4h25
